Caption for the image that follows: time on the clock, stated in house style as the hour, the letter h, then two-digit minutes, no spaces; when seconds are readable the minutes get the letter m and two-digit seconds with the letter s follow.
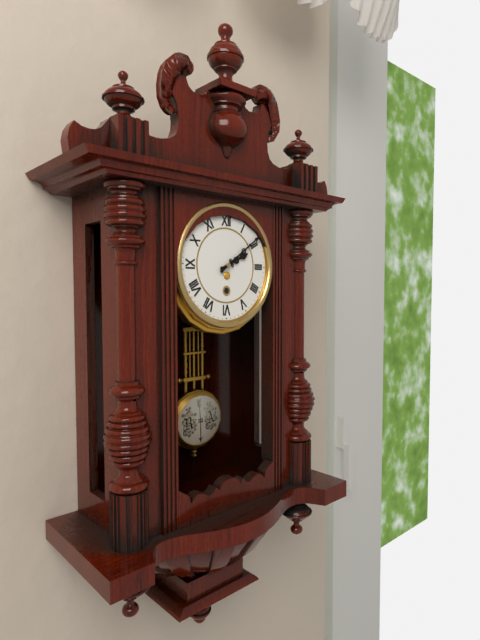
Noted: 2h09
